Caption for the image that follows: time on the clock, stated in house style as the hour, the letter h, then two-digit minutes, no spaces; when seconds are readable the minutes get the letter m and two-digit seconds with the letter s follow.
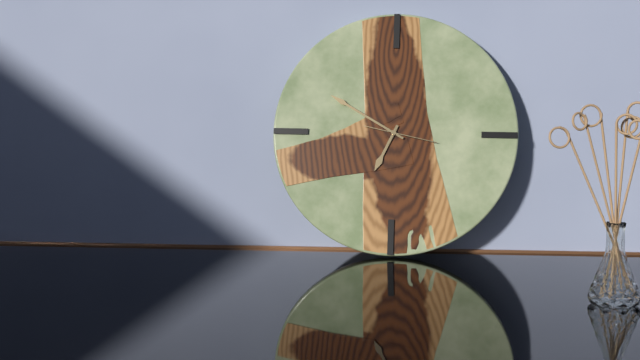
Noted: 6h50m17s
